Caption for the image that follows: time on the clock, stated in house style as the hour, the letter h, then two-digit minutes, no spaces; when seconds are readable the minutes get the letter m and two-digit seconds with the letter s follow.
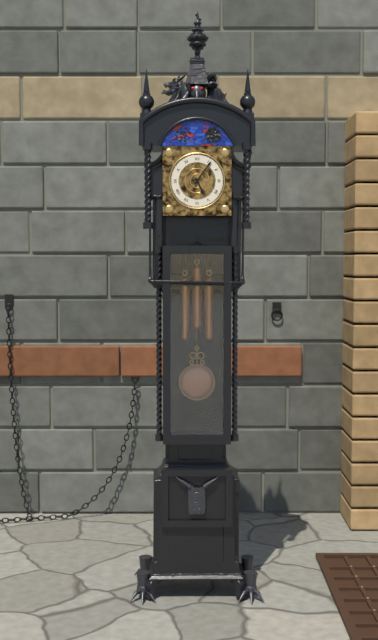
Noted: 5h06
